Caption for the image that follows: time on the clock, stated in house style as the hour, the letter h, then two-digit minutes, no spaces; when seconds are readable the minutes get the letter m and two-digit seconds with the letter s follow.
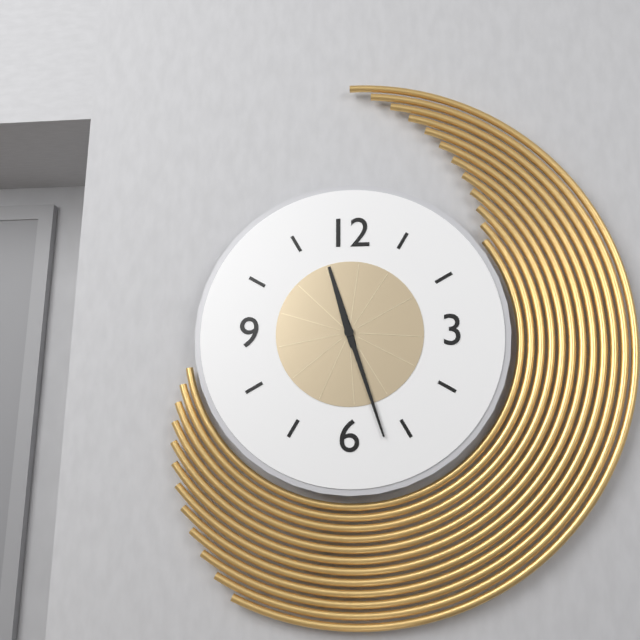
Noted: 11h27
